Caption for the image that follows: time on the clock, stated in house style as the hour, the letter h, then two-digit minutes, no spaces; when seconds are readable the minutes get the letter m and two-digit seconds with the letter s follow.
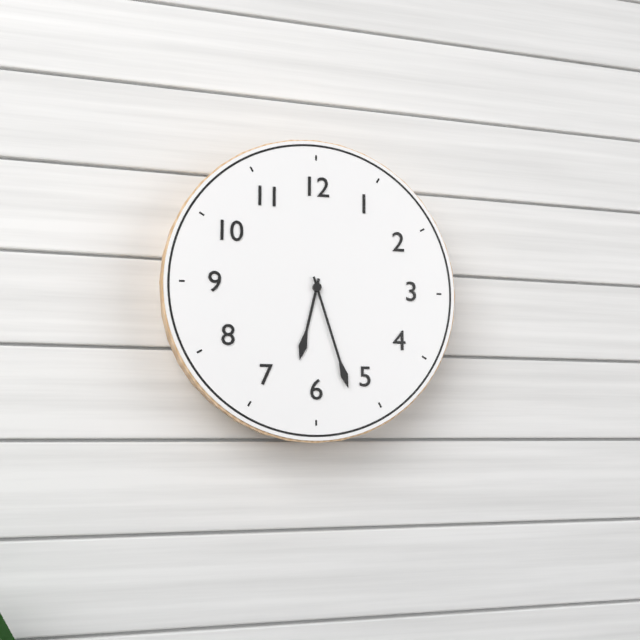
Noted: 6h27
